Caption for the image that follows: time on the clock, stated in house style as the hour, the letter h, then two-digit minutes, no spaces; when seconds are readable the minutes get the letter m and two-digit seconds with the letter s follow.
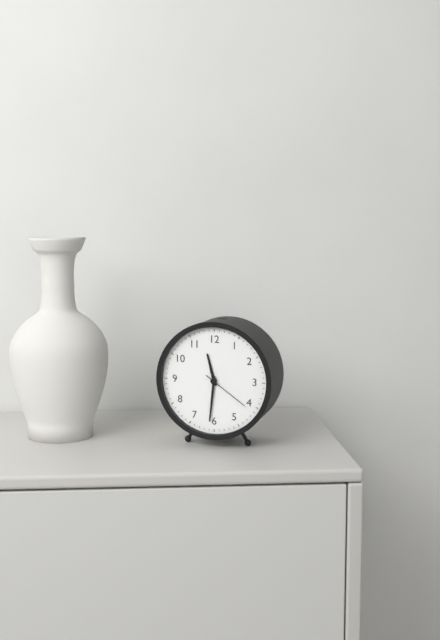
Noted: 11h31m21s
